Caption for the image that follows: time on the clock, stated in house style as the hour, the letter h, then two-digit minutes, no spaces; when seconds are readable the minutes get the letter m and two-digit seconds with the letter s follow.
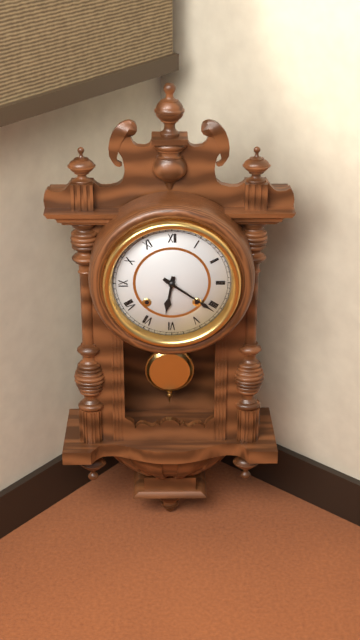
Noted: 6h21
